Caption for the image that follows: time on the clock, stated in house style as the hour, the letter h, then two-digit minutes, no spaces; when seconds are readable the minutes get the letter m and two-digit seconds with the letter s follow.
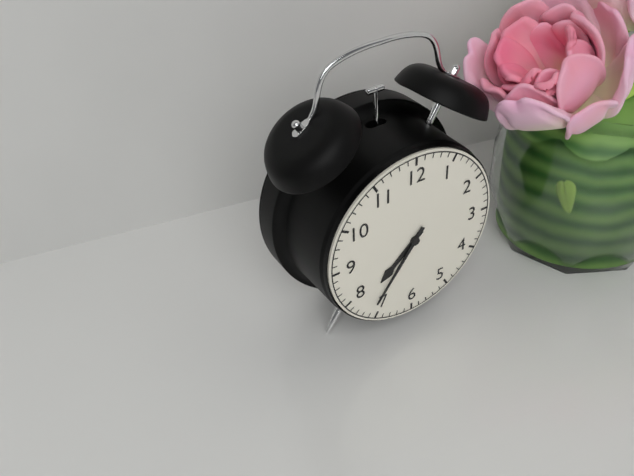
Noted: 7h36
